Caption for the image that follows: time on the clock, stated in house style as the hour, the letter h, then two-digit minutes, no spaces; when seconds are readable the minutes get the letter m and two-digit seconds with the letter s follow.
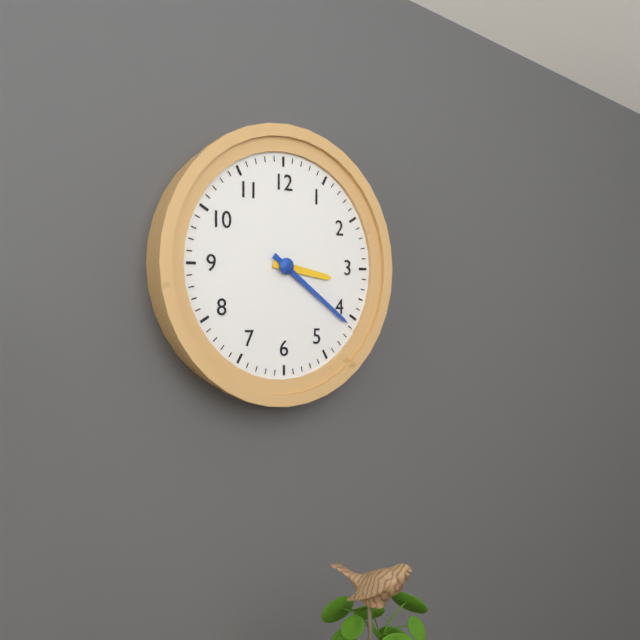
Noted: 3h21
